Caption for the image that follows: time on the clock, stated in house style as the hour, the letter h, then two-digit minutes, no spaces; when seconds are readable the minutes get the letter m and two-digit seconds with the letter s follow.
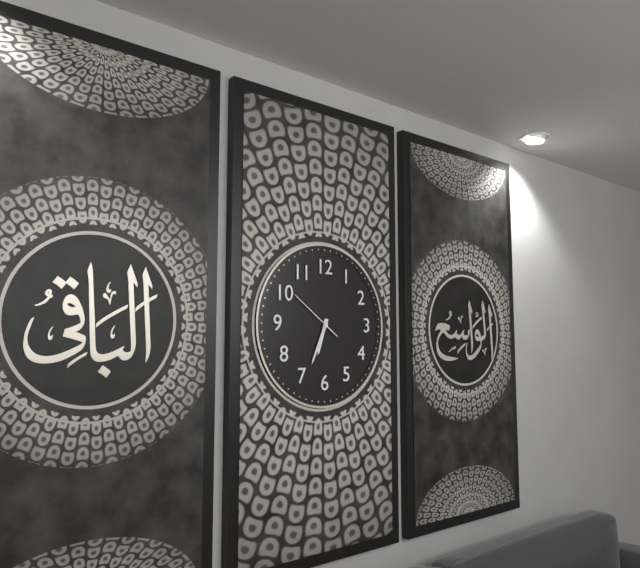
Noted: 6h34m51s
